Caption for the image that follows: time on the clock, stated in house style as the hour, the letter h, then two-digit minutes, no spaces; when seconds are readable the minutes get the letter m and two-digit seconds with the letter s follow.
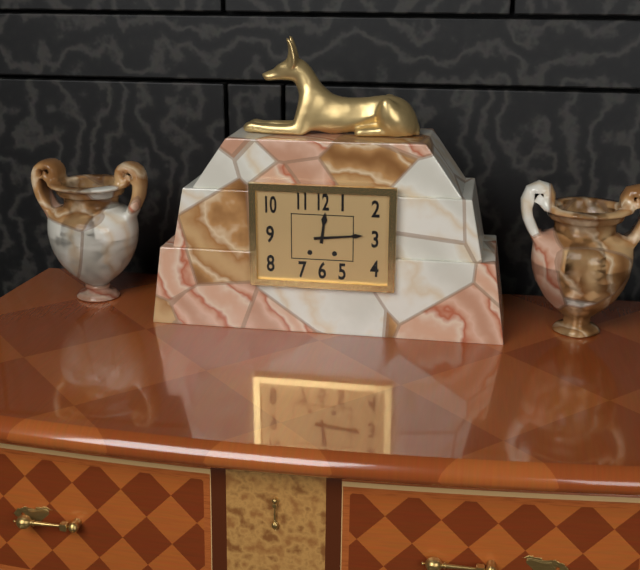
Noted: 12h14
